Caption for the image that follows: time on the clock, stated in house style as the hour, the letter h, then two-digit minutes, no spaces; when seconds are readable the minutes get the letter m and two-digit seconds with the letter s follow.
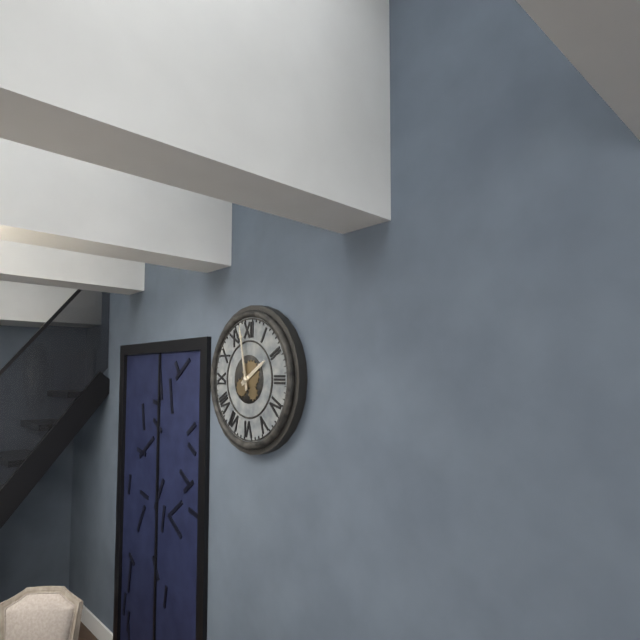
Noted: 1h58
